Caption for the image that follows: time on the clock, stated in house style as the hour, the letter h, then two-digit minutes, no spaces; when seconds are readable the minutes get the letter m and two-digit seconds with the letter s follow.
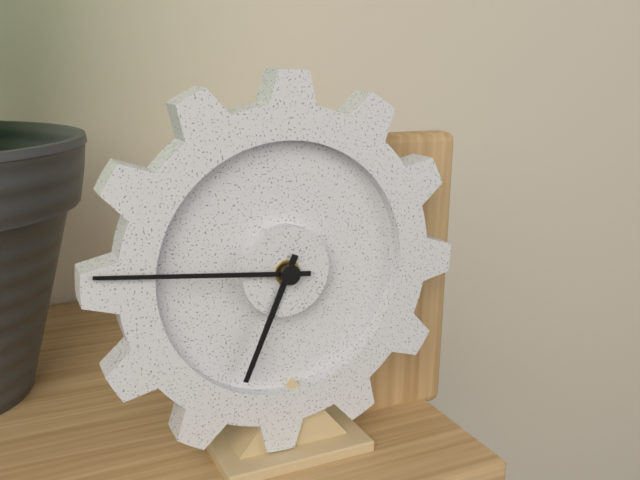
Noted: 6h46
